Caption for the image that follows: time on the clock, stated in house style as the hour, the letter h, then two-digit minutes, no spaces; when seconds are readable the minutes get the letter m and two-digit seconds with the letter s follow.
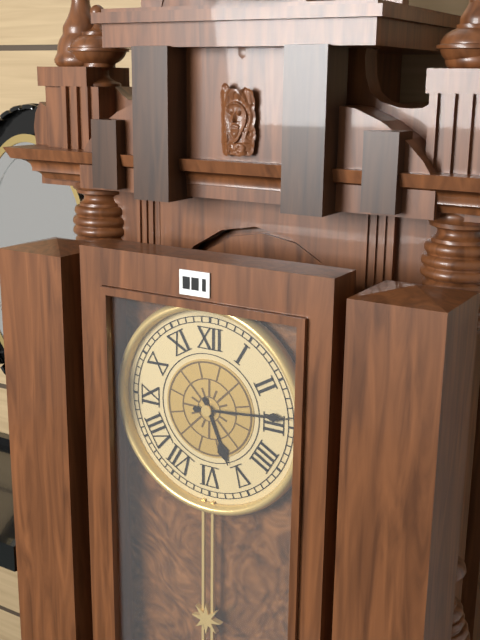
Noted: 5h14
